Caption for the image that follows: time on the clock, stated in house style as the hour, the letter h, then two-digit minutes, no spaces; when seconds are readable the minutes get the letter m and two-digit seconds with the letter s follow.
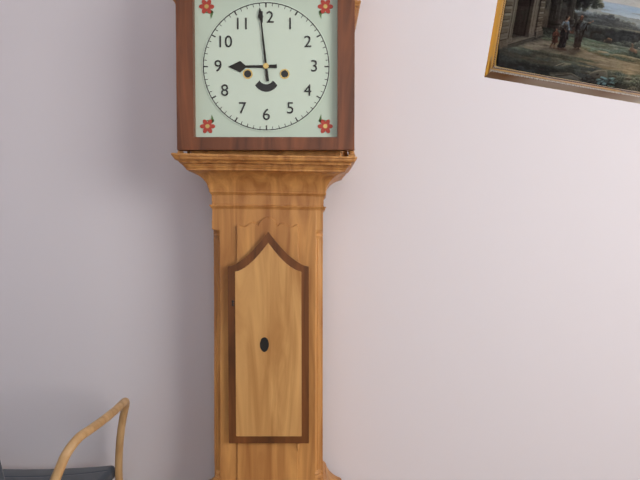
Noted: 8h59
